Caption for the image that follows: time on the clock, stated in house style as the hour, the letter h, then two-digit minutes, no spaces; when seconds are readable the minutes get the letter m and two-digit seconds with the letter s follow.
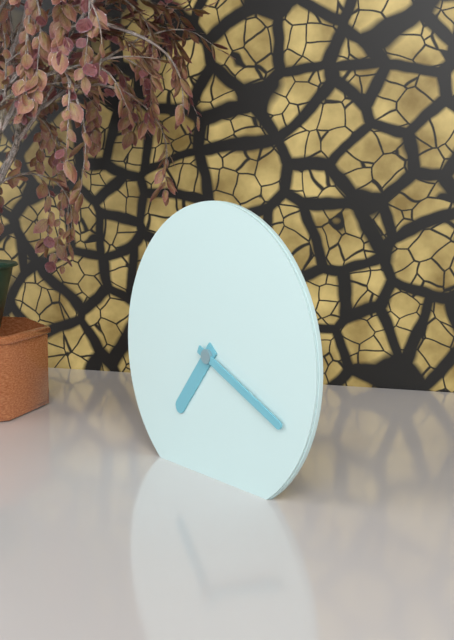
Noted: 7h19
